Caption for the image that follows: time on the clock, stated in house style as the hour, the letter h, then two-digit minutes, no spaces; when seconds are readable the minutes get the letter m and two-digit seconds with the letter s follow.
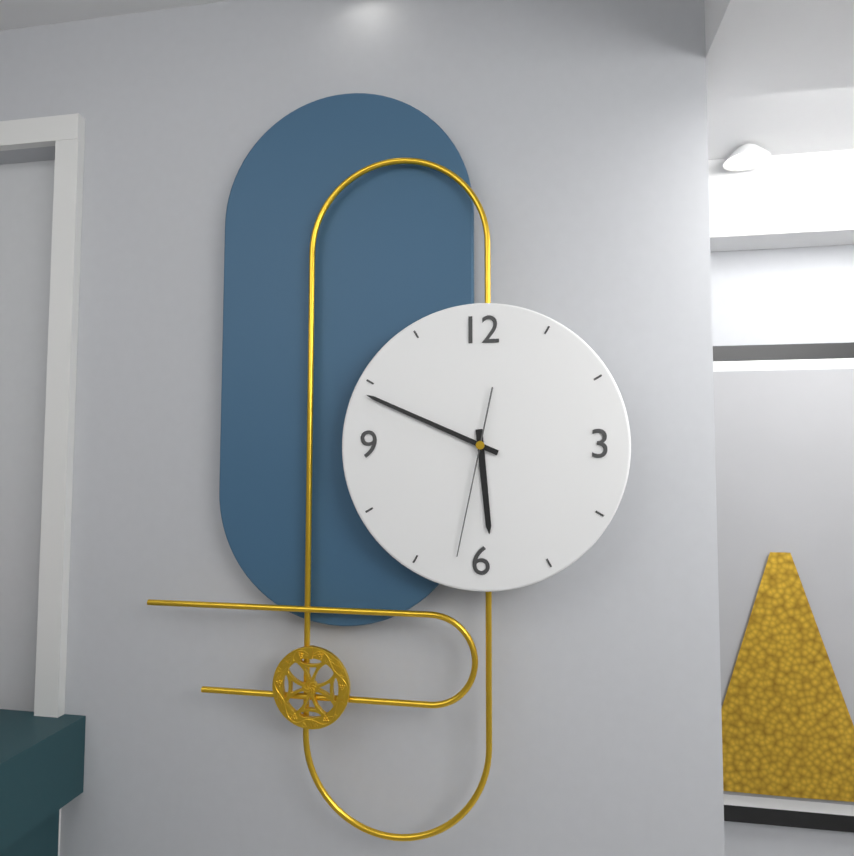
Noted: 5h49m32s
